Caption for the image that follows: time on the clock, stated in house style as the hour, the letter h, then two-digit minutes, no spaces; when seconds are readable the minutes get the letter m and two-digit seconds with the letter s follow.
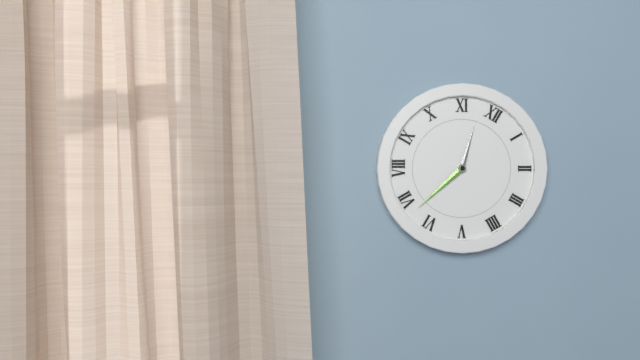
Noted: 11h33
